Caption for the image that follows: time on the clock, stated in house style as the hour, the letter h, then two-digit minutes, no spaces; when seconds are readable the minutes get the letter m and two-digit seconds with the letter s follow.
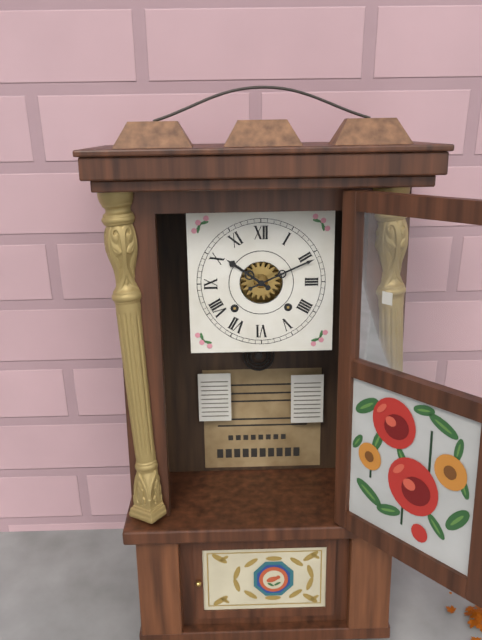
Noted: 10h11
